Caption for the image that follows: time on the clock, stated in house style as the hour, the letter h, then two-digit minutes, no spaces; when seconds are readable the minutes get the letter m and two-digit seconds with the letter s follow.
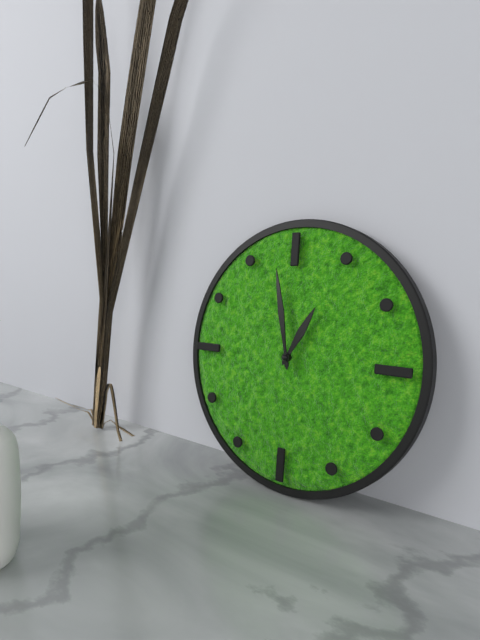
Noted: 12h58
